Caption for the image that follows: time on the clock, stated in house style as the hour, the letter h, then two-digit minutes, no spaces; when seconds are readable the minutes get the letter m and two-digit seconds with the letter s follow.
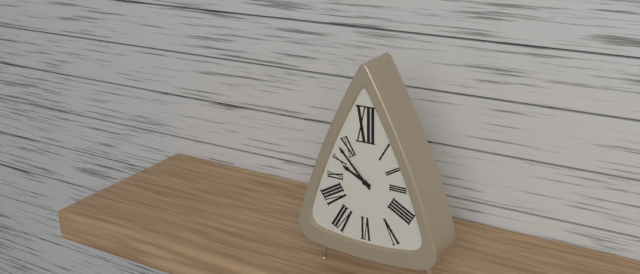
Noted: 9h53
